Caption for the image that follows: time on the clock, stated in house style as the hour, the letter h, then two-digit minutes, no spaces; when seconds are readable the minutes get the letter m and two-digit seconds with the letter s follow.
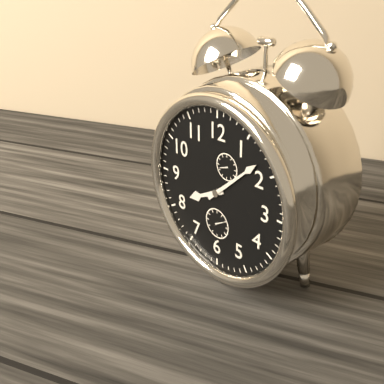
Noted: 8h08
